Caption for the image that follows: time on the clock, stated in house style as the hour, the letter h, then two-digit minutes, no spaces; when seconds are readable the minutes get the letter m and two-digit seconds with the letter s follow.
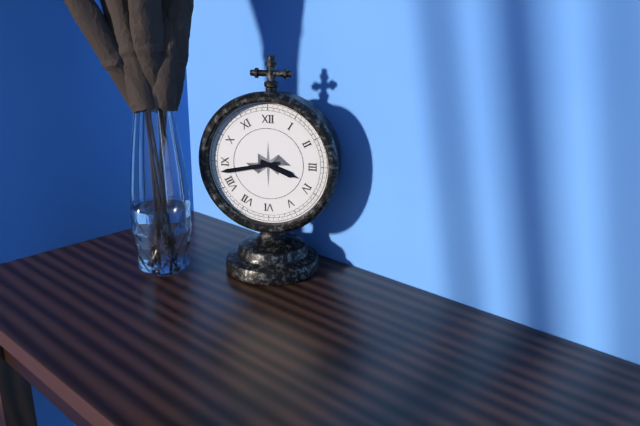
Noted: 3h43
